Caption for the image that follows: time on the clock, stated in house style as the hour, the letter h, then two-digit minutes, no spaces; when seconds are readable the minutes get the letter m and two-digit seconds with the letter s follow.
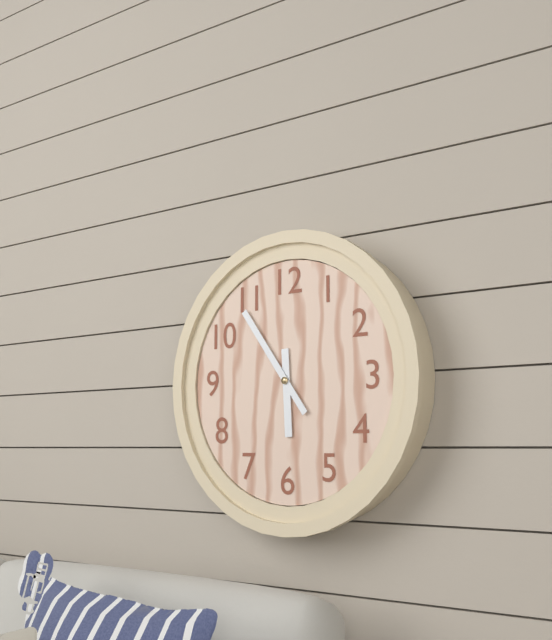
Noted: 5h54
